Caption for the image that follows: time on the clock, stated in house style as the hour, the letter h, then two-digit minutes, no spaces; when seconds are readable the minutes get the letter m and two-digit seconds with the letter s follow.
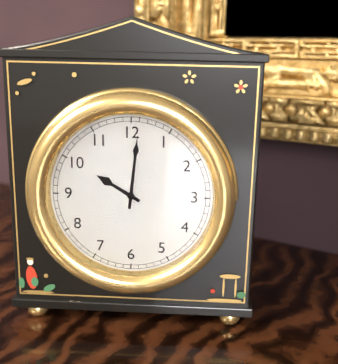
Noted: 10h01
